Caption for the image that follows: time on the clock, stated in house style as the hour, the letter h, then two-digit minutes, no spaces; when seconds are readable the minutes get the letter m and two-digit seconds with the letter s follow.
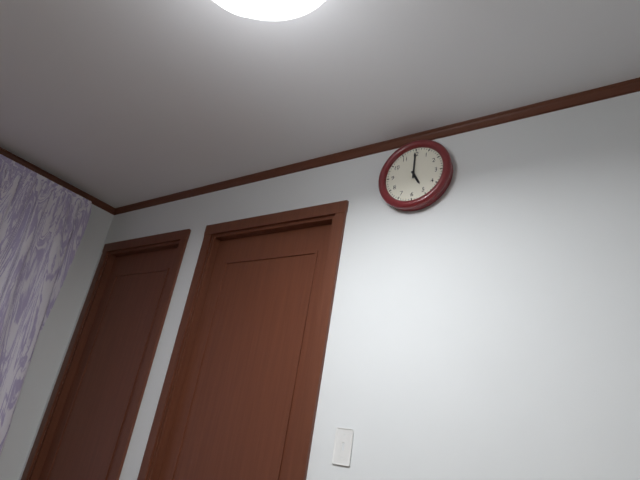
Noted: 5h00
